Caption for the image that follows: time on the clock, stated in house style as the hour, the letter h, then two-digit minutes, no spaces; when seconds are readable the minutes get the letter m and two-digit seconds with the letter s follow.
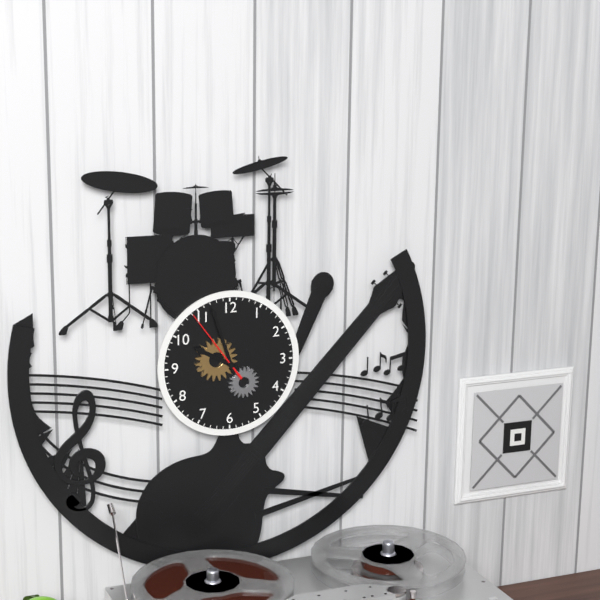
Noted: 9h57m54s
